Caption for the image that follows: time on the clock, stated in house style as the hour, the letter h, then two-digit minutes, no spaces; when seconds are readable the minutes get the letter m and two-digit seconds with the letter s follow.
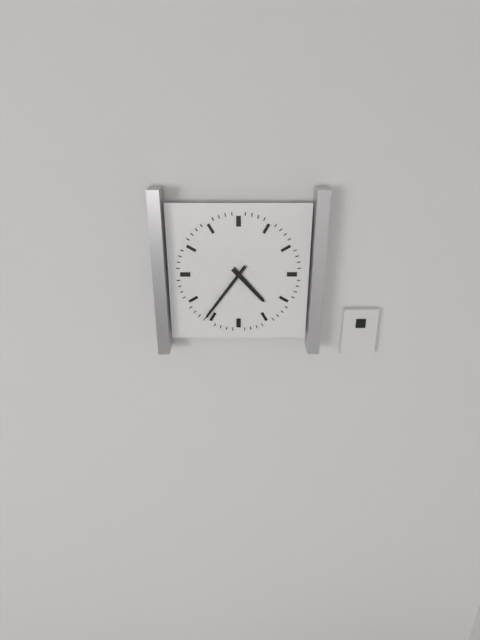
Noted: 4h36
